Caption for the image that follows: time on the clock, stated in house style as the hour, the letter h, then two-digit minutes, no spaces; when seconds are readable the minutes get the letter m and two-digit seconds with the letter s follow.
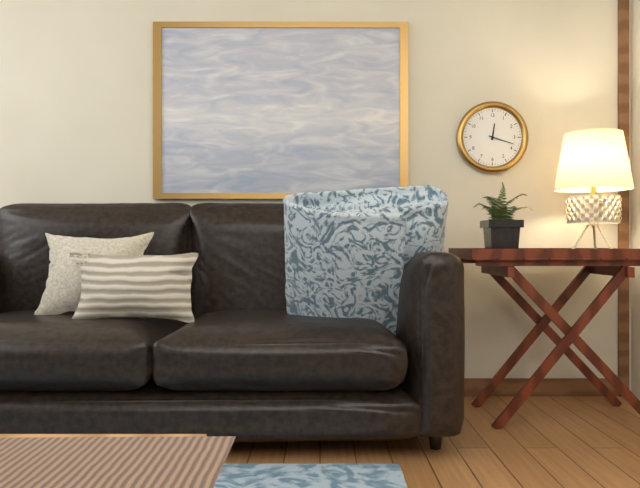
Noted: 12h18
